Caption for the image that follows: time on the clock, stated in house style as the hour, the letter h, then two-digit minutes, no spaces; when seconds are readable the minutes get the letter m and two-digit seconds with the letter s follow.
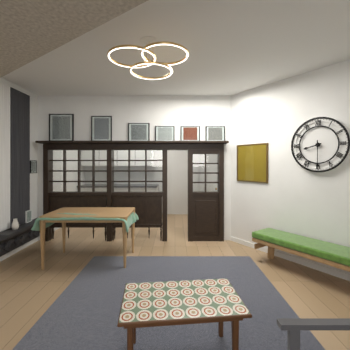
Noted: 8h30
